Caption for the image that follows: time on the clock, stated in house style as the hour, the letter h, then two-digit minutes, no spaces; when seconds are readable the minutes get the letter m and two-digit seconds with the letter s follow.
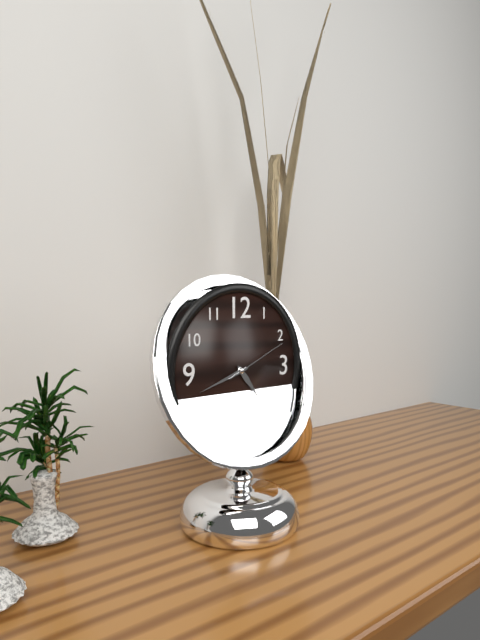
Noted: 4h42m11s
